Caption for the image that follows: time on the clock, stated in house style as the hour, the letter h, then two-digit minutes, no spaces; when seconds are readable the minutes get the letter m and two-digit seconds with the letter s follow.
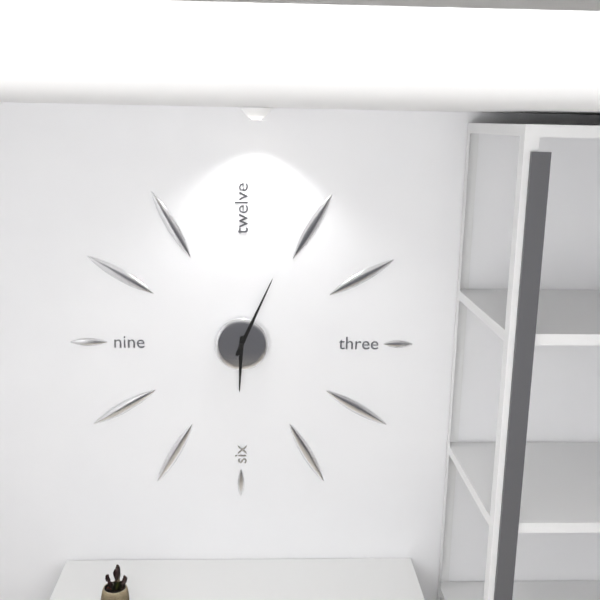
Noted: 6h04
